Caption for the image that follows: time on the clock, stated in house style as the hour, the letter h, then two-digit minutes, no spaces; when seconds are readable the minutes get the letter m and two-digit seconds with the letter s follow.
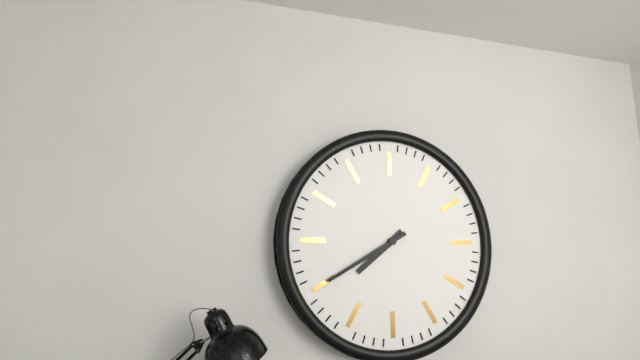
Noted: 7h40
